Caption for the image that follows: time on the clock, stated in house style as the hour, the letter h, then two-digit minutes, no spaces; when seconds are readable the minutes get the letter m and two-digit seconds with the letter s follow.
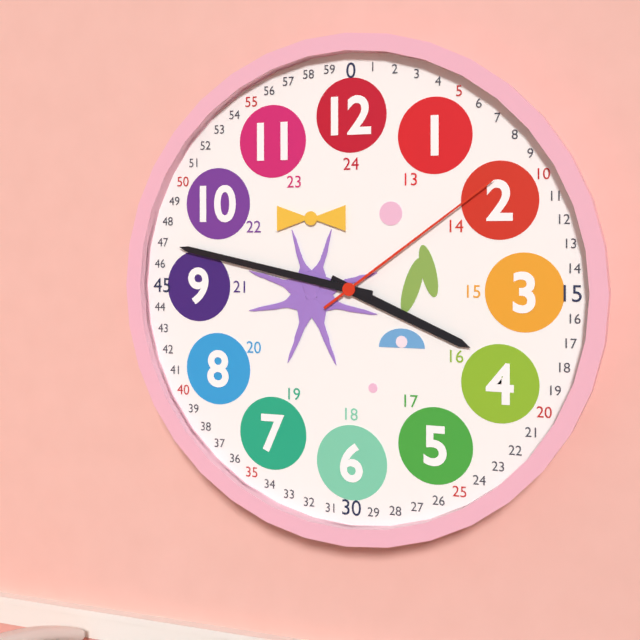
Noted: 3h47m09s
